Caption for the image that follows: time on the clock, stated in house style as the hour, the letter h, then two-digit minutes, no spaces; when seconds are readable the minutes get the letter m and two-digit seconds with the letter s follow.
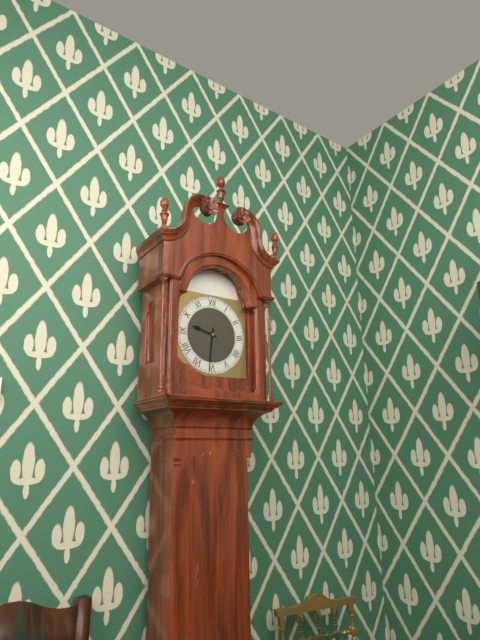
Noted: 9h31
